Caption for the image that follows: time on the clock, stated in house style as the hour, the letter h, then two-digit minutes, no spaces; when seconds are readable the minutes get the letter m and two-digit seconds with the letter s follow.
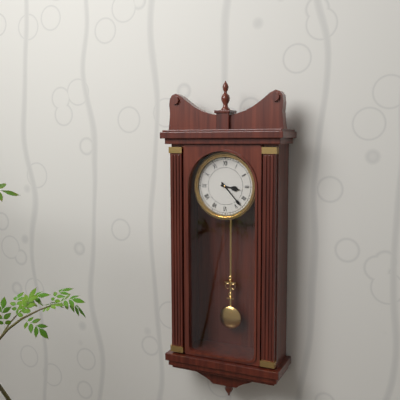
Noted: 3h23
